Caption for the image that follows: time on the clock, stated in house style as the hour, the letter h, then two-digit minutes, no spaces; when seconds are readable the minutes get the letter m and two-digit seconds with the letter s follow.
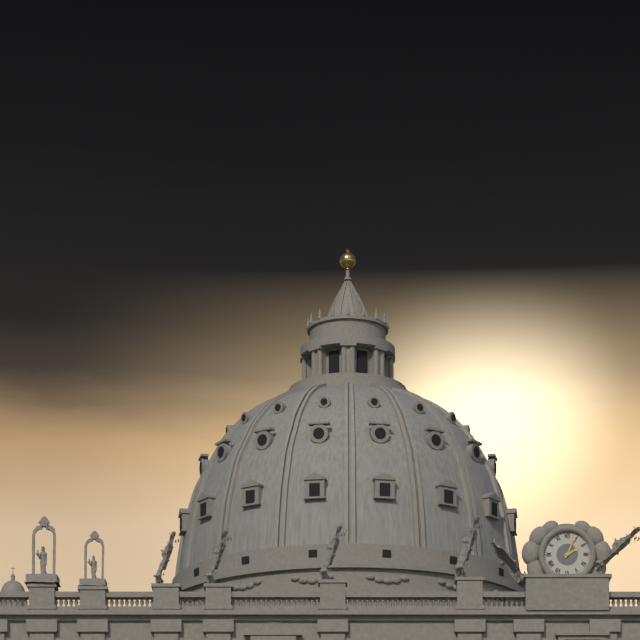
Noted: 2h04
